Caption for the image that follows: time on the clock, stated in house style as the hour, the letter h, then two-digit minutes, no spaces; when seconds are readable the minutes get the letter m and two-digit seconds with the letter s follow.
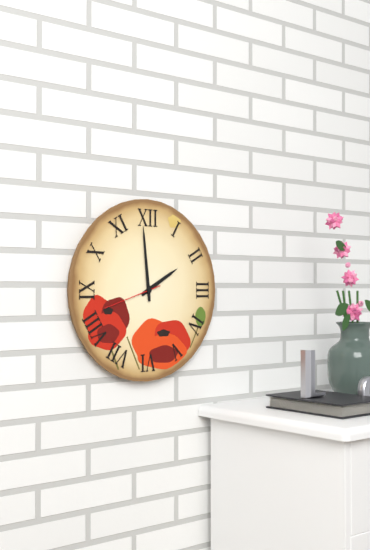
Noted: 1h59m42s
